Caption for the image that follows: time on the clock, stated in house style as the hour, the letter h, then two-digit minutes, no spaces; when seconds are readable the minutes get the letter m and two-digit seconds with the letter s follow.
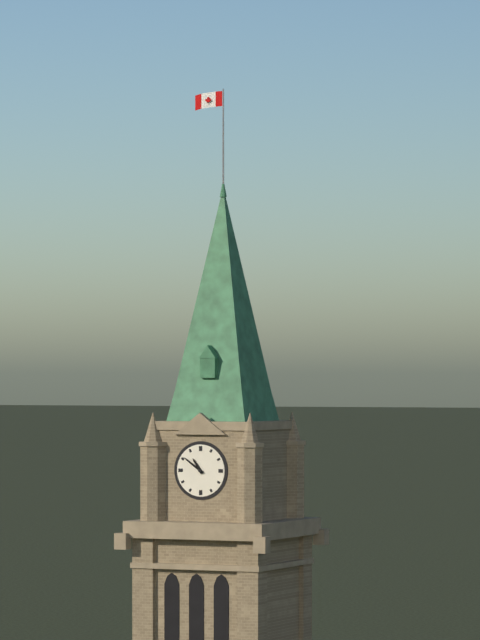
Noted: 10h51
